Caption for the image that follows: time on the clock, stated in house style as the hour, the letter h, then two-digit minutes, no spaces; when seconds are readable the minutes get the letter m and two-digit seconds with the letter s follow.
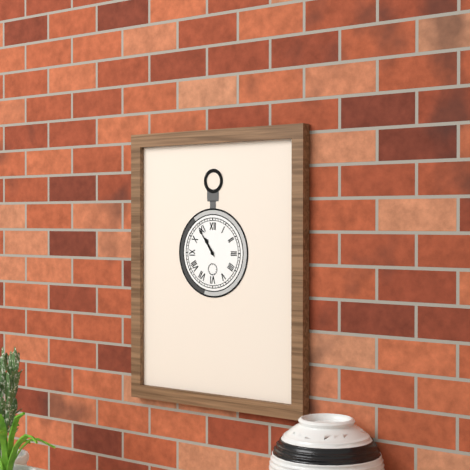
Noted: 10h54
